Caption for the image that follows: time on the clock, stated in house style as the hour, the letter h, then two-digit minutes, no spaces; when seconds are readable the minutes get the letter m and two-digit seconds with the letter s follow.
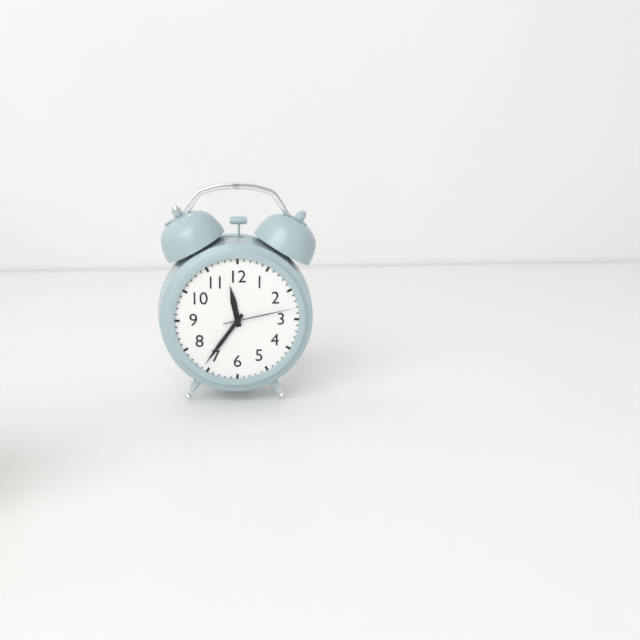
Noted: 11h36m13s
